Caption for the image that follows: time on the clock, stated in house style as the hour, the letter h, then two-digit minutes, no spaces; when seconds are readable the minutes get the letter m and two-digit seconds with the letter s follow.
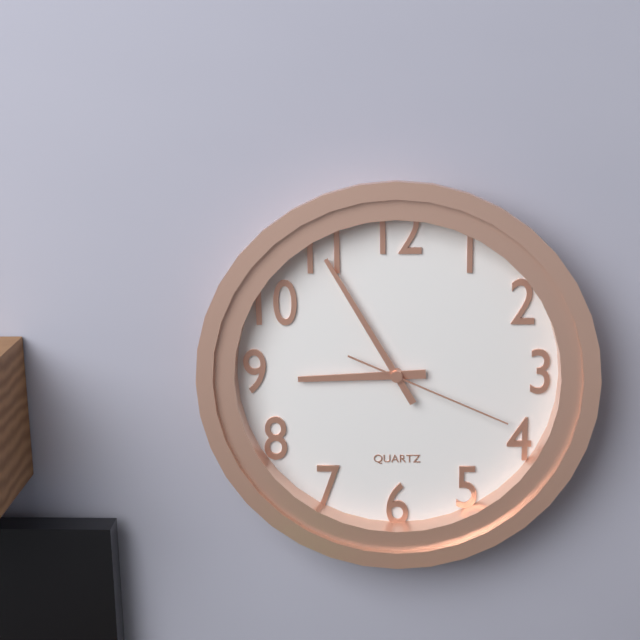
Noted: 8h55m19s
